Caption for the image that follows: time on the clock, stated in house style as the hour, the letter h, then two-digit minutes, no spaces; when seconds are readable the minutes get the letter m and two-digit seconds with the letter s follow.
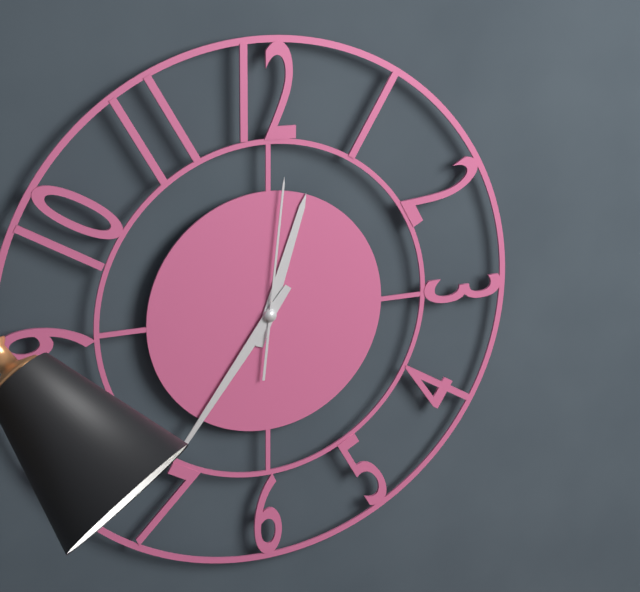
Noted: 12h36m01s
